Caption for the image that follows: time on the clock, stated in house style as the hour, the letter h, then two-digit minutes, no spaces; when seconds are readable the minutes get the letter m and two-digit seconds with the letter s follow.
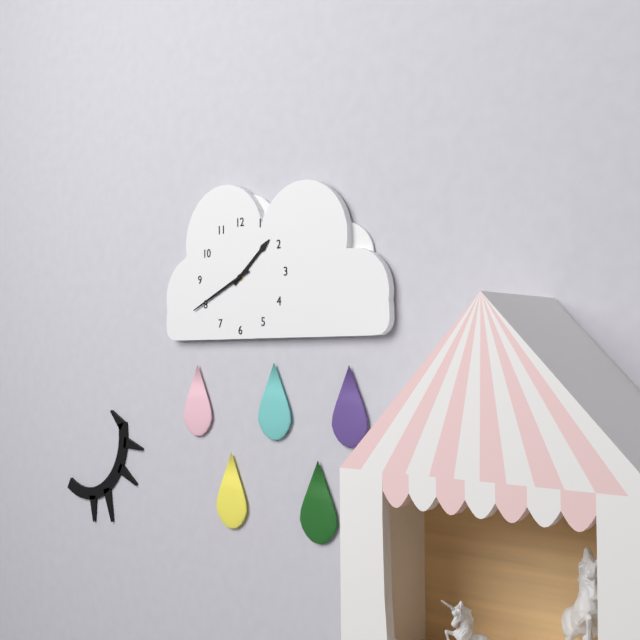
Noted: 1h41
